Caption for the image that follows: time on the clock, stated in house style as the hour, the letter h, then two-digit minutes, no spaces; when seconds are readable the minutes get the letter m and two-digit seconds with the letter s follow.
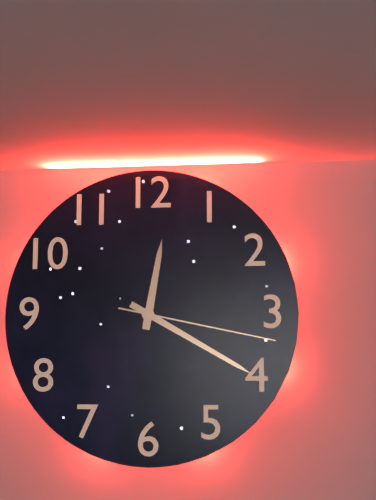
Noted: 12h20m17s
